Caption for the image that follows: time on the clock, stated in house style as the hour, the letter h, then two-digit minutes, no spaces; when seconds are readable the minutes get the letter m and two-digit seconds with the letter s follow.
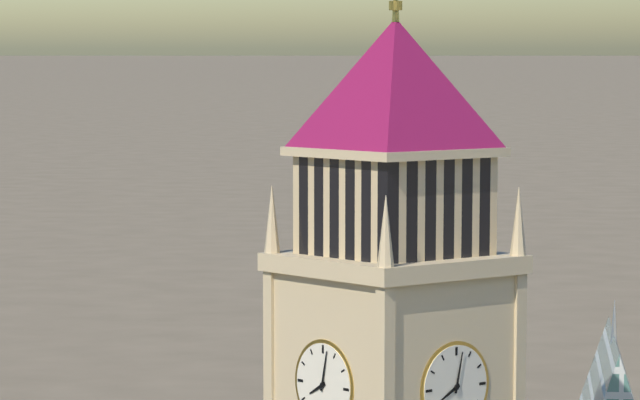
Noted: 8h02
